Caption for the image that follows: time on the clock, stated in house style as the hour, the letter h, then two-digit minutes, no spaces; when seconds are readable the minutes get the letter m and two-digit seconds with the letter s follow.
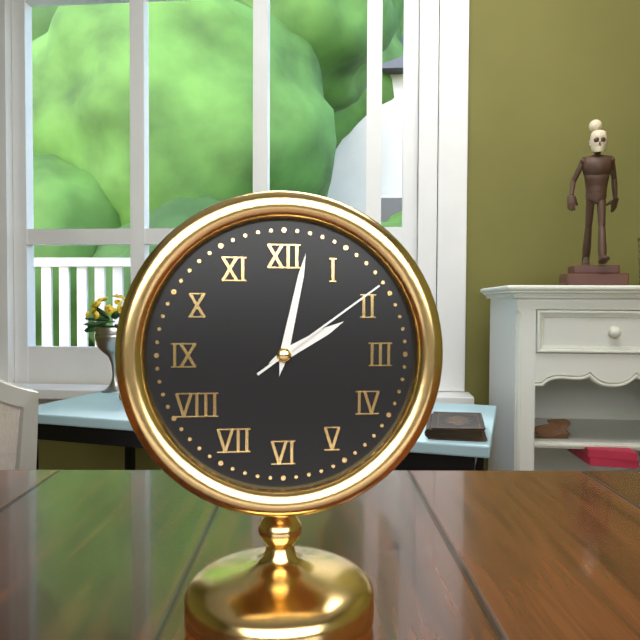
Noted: 2h02m09s
